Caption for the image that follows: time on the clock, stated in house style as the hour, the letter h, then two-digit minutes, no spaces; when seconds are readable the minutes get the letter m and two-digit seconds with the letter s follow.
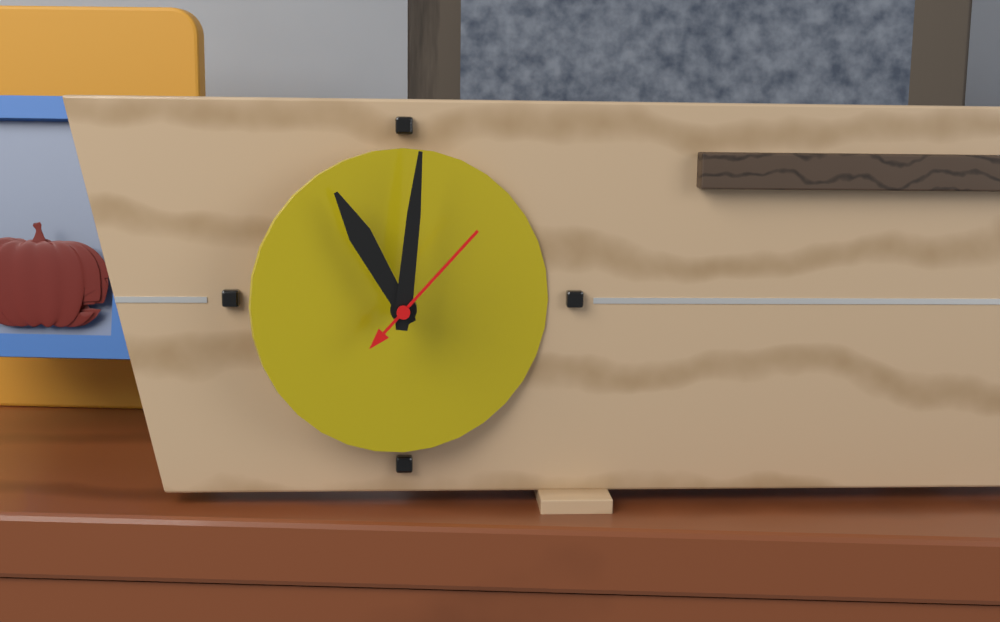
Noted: 11h01m07s
